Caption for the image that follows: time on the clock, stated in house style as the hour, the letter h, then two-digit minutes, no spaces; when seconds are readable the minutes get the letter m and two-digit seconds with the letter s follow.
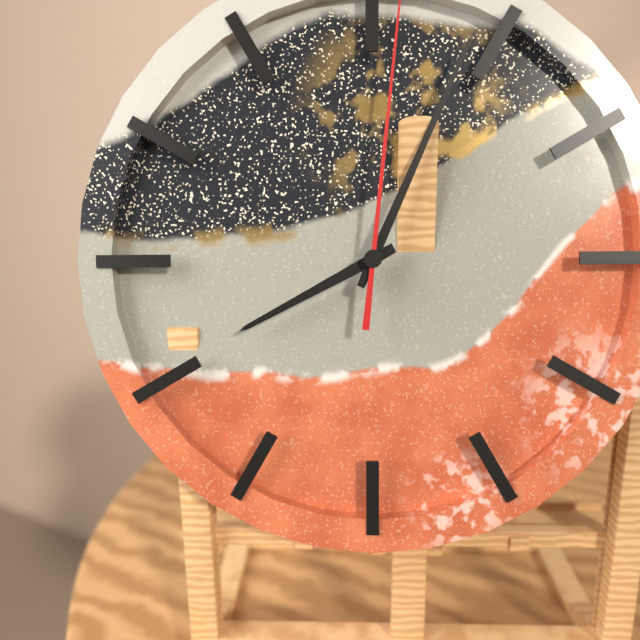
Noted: 8h04
